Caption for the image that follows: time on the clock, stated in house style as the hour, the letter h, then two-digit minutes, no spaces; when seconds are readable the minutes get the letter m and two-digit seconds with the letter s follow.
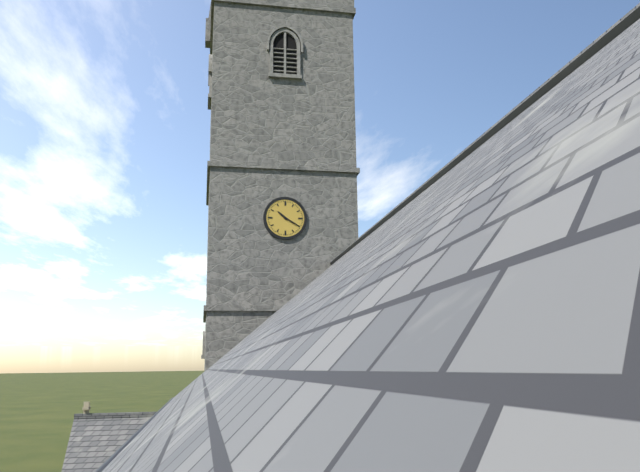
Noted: 10h20
